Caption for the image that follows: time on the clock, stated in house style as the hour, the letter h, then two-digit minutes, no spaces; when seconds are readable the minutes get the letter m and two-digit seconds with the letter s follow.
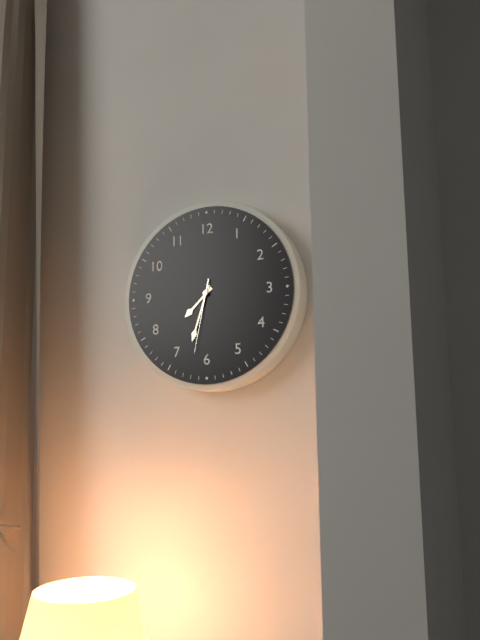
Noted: 7h33m32s
